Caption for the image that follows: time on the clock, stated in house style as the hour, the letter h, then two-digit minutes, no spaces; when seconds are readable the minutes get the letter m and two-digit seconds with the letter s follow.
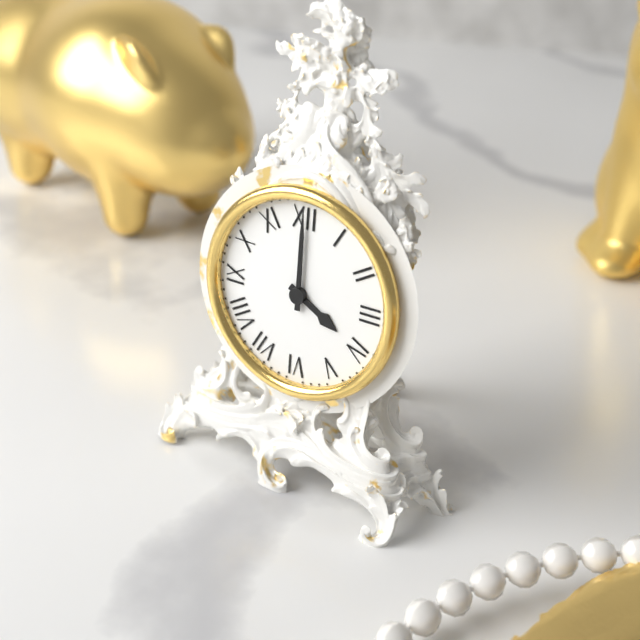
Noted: 4h00
